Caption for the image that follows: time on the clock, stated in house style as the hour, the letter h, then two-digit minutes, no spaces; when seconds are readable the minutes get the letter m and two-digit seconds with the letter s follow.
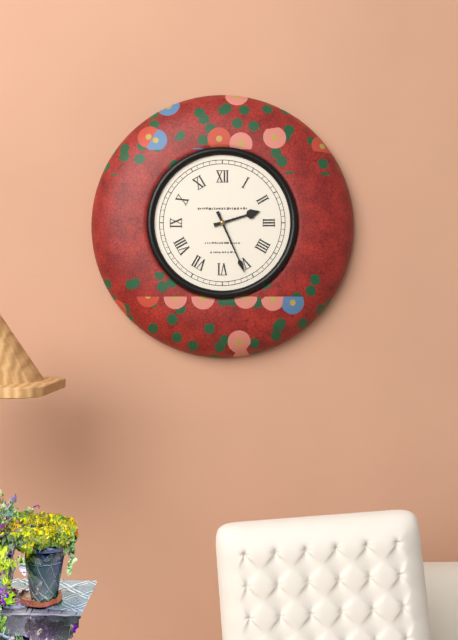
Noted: 2h26
